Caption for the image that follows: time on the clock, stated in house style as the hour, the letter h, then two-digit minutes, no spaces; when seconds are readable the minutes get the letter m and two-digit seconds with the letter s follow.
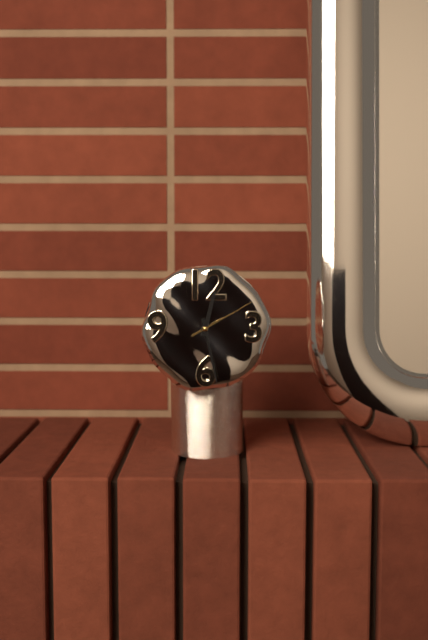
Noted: 12h28m10s
